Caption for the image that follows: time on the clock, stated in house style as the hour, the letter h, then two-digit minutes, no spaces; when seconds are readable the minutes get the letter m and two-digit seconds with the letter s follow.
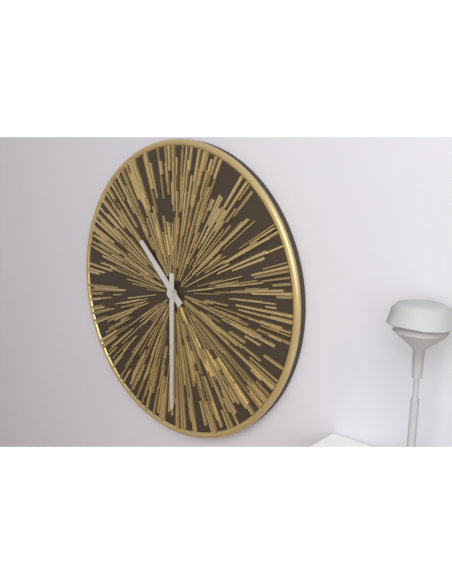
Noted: 10h30
